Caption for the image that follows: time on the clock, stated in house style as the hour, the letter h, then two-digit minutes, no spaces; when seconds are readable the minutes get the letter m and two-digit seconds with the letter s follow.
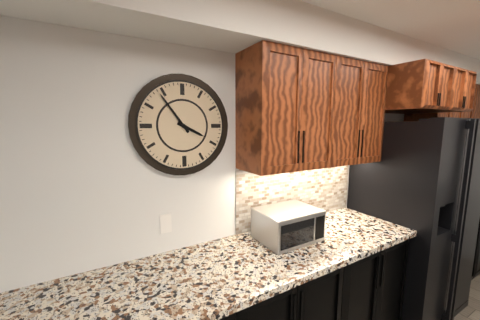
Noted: 3h54
